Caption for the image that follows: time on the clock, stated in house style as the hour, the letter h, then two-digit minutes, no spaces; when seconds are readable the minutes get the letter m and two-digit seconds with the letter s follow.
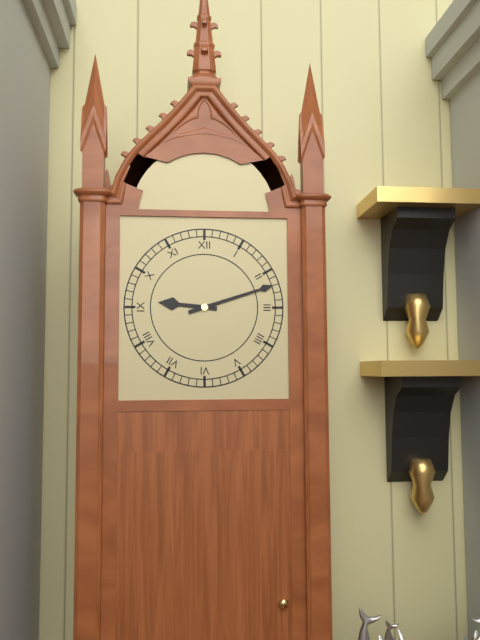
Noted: 9h12
